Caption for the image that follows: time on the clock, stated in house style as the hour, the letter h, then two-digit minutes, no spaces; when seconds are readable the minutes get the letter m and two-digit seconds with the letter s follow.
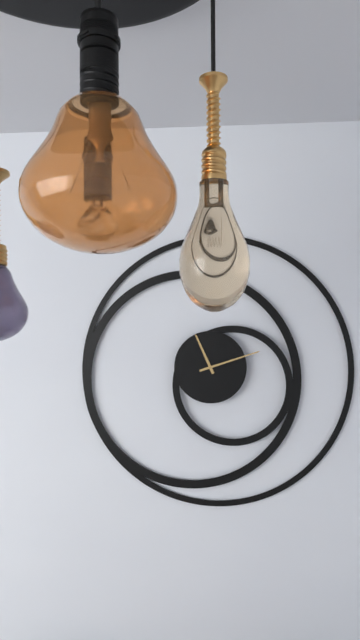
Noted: 11h12
